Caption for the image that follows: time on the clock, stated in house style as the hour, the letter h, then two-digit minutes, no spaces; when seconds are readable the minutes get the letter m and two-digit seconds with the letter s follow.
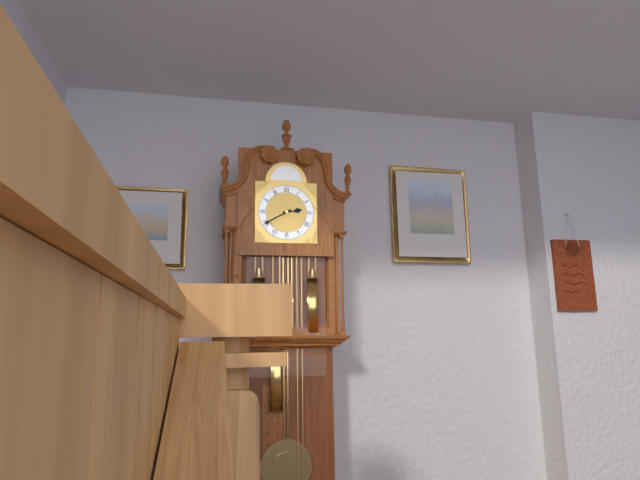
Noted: 2h40
